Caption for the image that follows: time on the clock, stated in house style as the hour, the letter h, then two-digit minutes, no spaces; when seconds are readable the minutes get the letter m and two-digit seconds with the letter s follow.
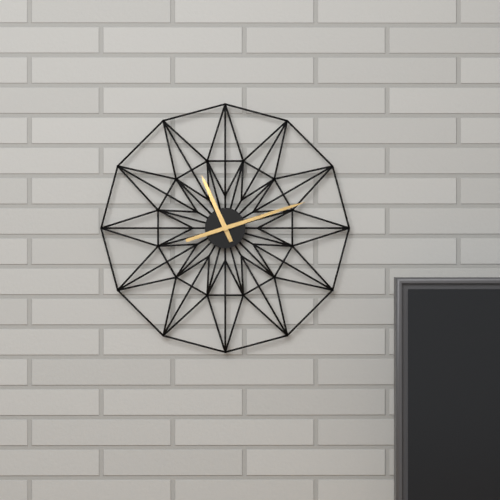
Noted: 11h12
